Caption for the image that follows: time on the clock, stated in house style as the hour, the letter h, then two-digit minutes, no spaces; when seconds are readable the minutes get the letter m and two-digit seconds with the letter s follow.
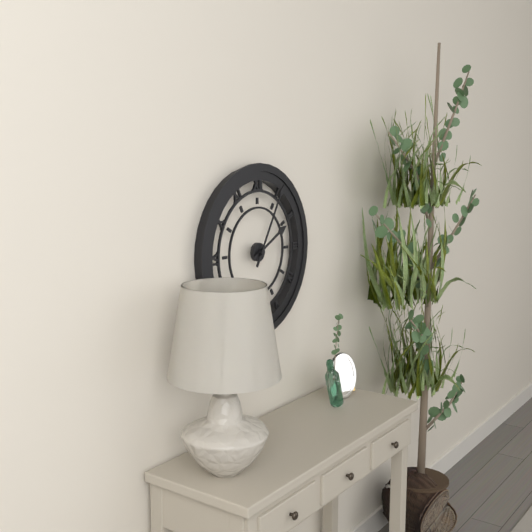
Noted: 2h05
